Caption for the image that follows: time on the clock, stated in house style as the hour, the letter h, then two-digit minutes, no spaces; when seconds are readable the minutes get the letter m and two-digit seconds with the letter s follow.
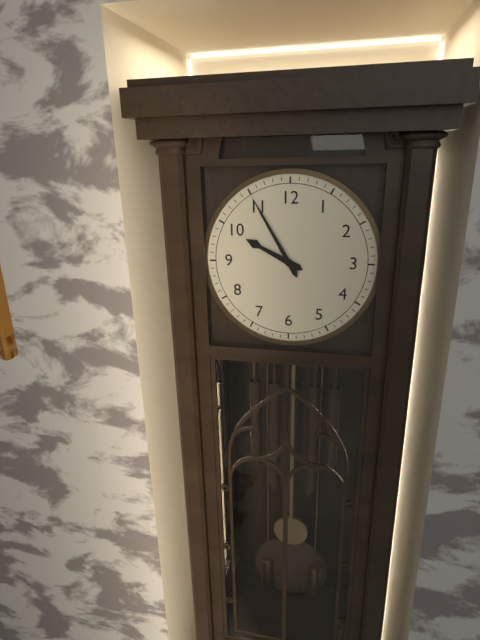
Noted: 9h55
